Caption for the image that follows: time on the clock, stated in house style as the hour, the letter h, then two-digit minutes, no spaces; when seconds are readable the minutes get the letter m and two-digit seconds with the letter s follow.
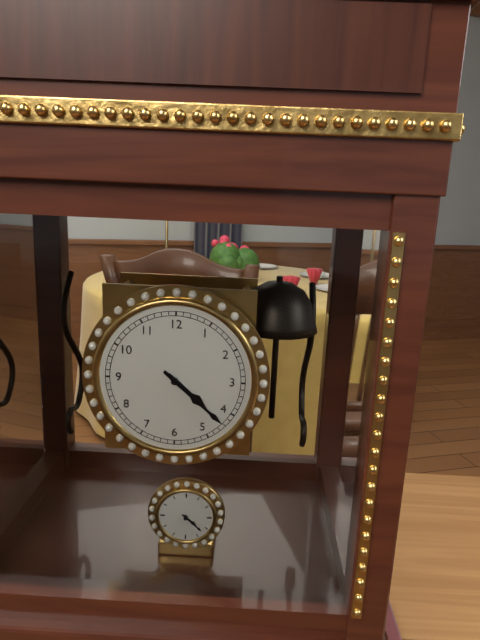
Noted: 4h22
